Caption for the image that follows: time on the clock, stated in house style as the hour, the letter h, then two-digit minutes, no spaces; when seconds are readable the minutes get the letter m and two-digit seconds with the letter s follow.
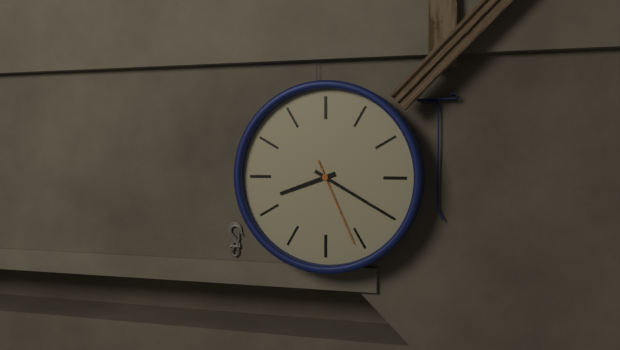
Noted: 8h20m26s
